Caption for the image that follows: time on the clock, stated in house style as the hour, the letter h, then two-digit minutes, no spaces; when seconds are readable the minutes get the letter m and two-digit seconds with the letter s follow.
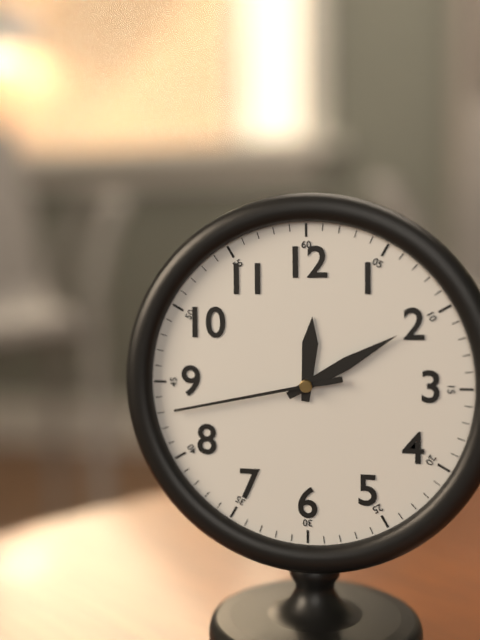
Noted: 12h10m43s
